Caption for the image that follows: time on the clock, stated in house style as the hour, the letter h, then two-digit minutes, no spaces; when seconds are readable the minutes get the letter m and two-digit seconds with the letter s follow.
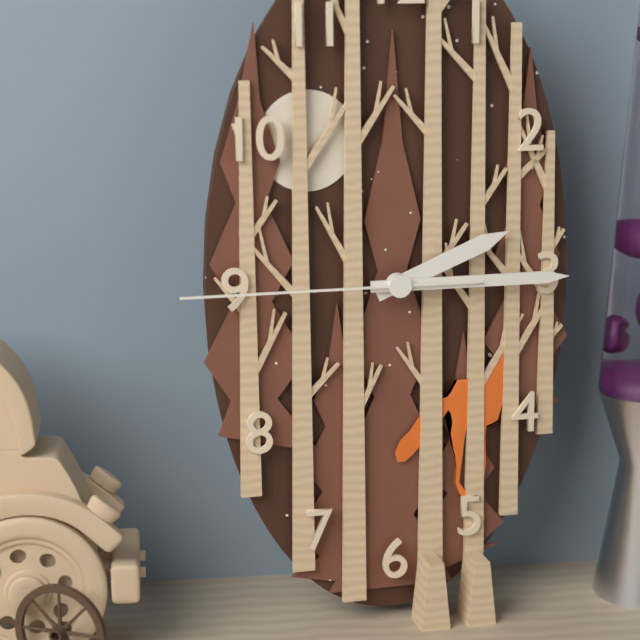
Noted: 2h15m45s
